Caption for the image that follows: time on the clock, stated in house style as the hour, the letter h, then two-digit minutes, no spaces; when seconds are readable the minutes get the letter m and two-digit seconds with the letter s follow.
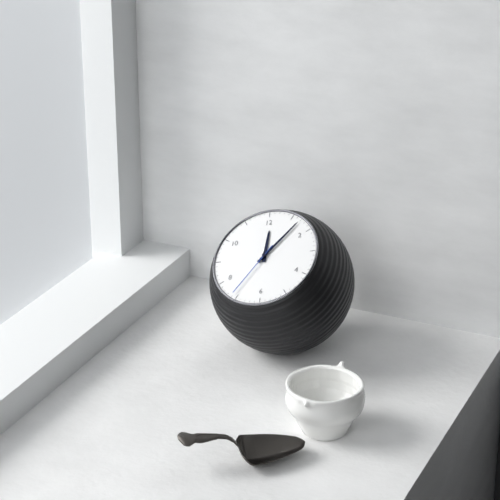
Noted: 12h07m36s
